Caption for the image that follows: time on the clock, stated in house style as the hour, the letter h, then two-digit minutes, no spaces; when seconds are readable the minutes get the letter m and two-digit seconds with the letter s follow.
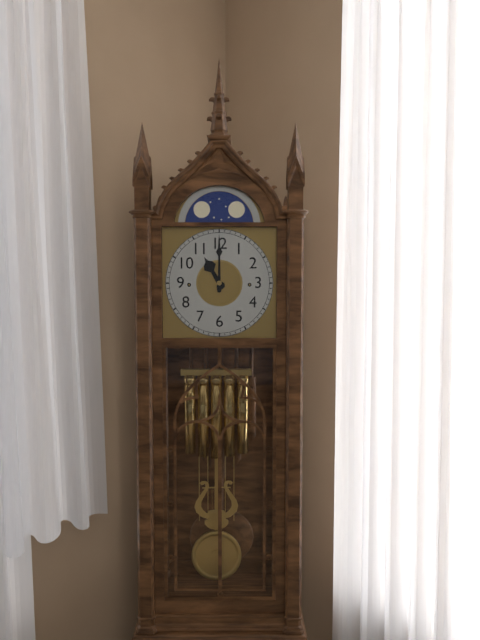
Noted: 11h00
